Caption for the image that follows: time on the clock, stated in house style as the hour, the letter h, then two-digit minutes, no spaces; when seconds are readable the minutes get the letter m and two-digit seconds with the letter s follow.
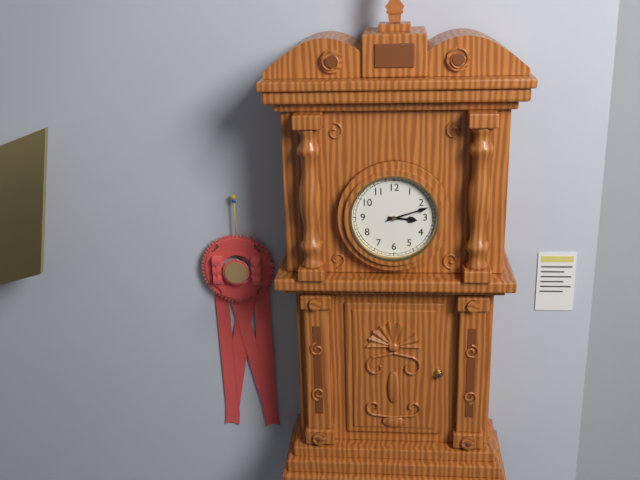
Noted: 3h12
